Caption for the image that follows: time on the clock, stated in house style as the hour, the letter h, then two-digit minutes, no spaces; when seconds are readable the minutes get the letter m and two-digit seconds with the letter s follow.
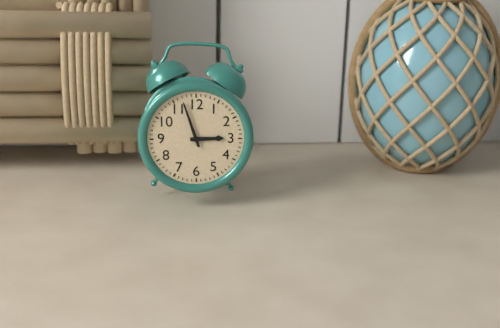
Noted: 2h57
